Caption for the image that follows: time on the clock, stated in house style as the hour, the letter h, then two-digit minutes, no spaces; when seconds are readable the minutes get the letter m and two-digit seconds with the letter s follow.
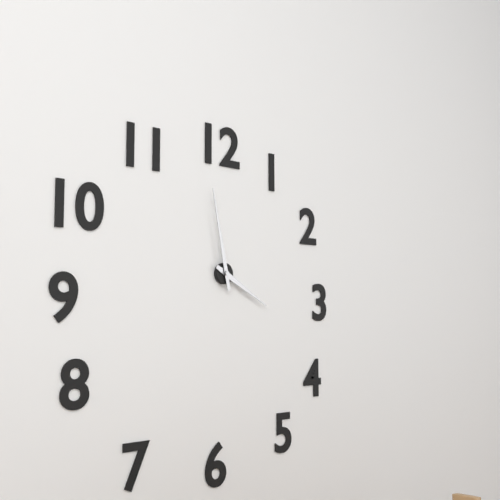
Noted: 3h58
